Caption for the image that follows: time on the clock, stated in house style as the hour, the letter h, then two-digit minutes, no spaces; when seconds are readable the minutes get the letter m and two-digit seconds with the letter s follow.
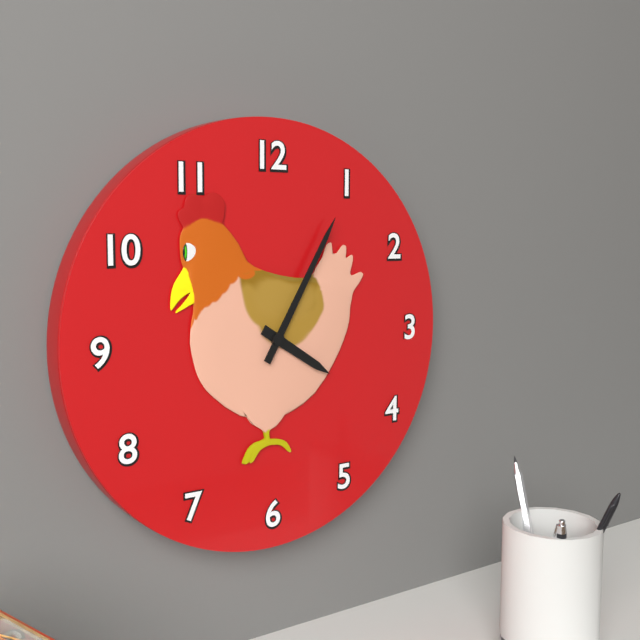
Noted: 4h05
